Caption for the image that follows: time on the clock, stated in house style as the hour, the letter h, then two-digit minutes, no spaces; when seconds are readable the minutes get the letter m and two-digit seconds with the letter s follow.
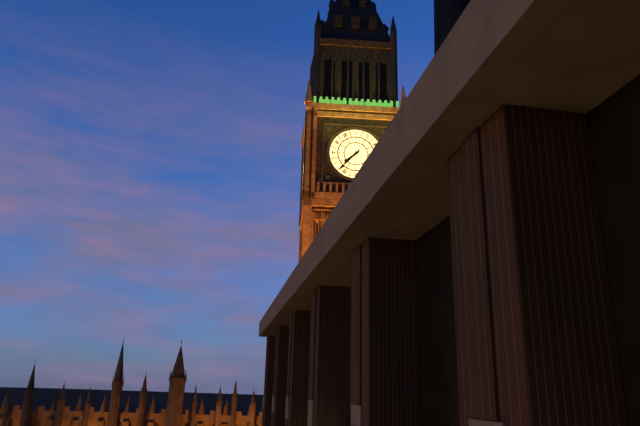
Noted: 7h37
